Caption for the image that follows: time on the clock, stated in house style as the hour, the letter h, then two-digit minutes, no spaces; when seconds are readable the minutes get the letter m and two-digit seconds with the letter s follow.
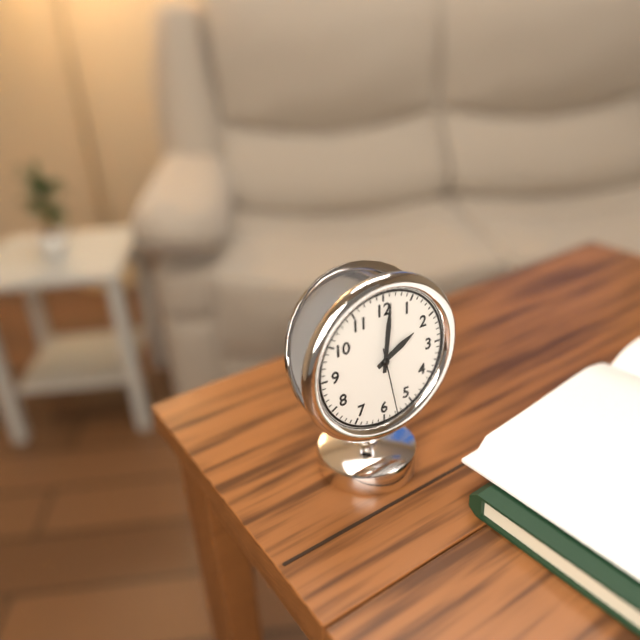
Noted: 2h01m28s
